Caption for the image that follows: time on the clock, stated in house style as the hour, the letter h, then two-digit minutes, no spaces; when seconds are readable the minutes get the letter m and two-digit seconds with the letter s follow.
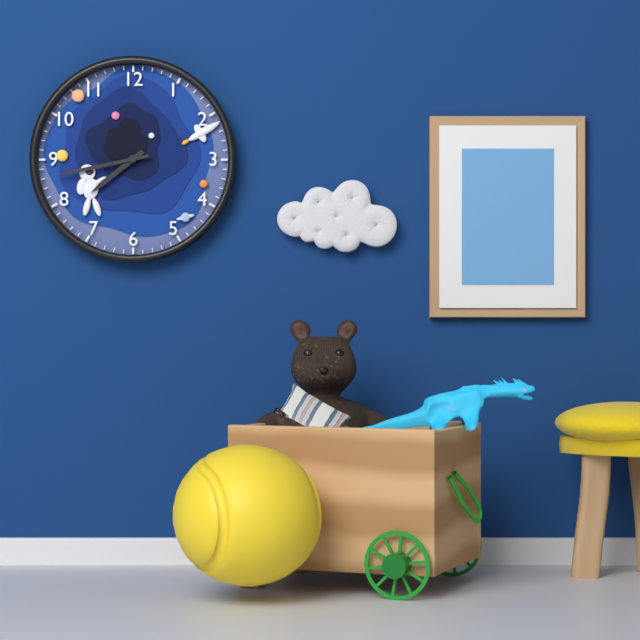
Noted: 7h43
